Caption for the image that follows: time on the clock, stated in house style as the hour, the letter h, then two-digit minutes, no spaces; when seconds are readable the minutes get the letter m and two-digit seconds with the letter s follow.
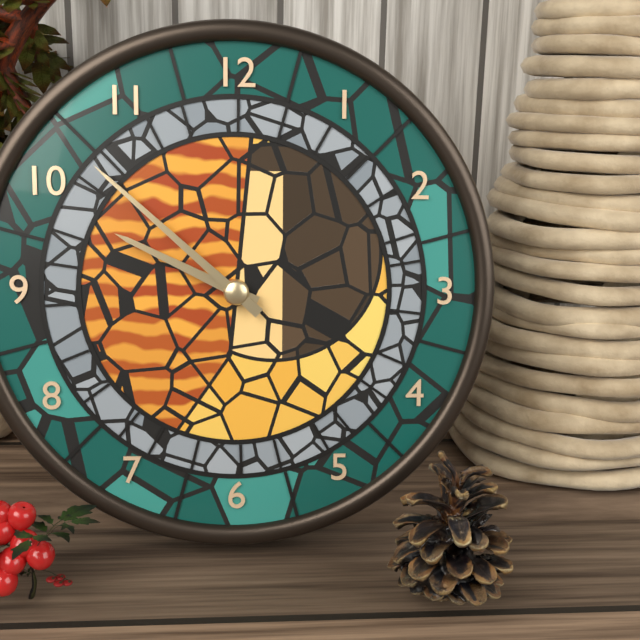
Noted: 9h52
